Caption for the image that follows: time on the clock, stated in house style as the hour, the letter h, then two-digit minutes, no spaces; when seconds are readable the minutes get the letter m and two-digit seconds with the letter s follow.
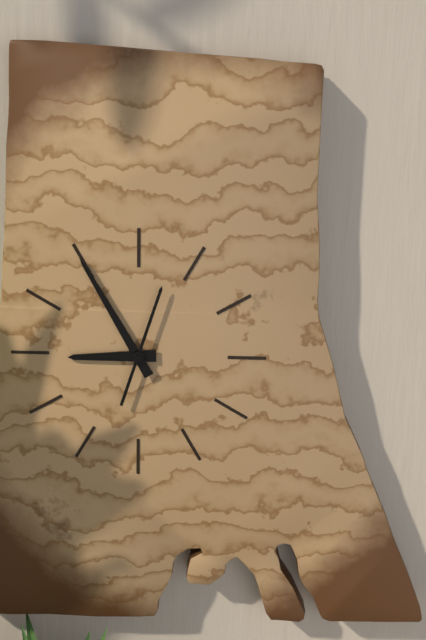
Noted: 8h55m03s
